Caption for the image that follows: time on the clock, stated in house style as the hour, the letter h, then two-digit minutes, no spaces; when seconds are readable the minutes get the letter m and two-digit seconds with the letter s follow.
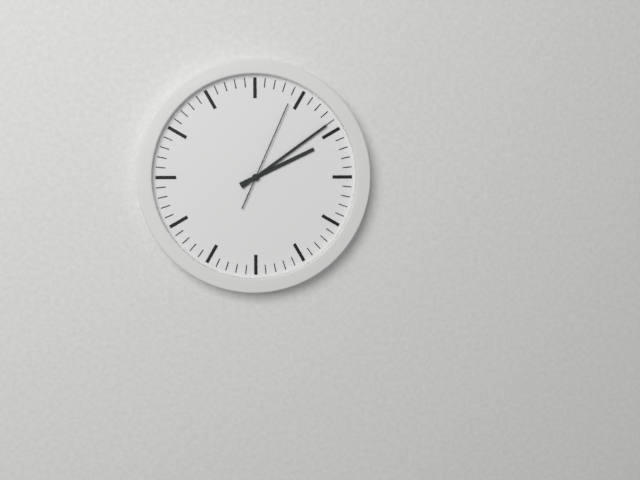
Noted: 2h09m04s
